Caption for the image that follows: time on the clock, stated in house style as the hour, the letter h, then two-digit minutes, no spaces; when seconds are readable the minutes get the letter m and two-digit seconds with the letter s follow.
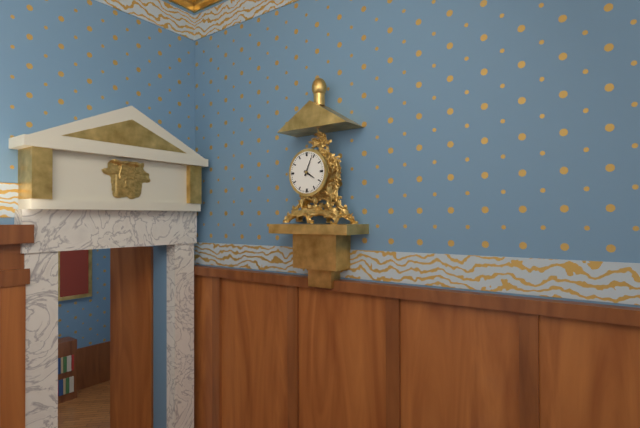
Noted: 4h04
